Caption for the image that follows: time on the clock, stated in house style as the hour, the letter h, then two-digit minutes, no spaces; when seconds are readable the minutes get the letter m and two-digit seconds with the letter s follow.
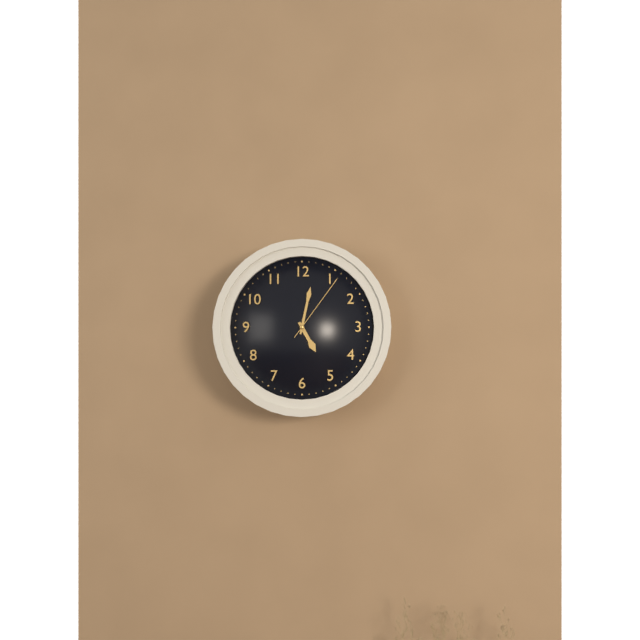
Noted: 5h02m06s
